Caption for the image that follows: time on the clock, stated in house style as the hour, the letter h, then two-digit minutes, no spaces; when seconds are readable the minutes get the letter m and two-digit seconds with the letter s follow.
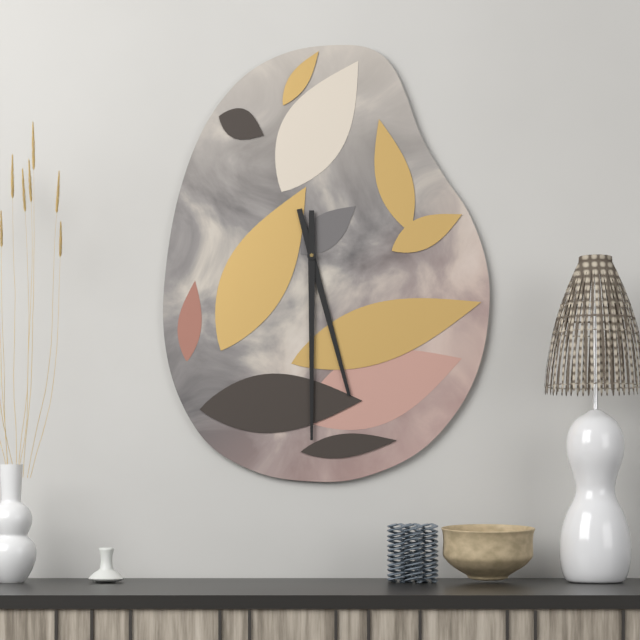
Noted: 5h30
